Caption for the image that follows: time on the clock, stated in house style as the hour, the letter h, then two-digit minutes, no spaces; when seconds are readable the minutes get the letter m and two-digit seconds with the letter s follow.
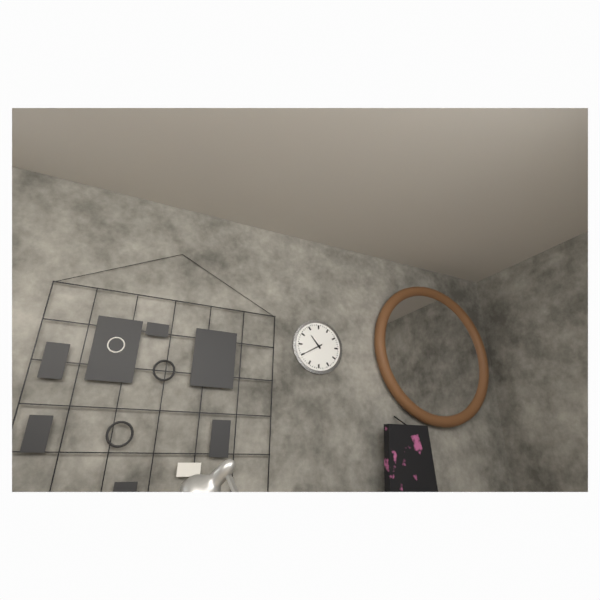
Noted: 10h40
